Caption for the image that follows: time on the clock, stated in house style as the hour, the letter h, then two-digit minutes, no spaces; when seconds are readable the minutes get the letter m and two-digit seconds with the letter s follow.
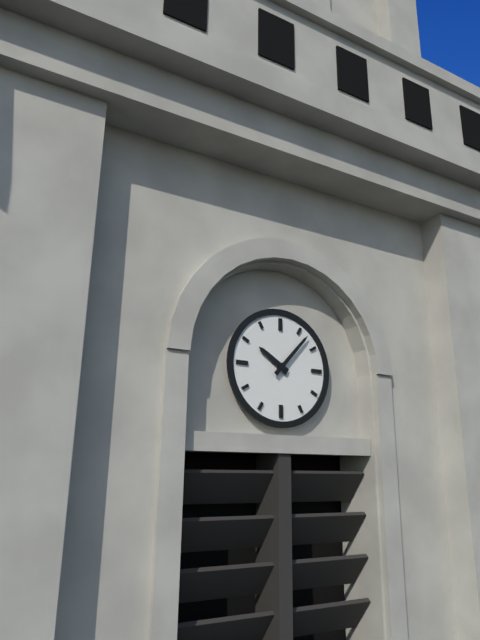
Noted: 10h07
